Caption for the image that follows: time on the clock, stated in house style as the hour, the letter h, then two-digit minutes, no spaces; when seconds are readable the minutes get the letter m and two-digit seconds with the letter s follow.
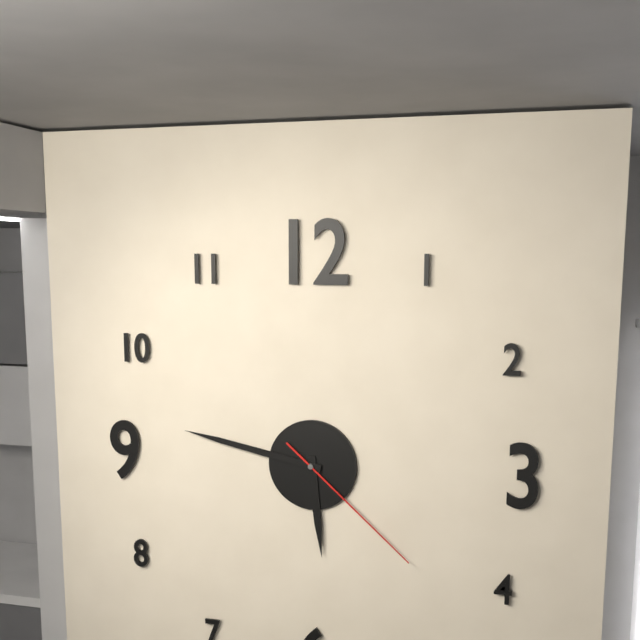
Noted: 5h47m22s
